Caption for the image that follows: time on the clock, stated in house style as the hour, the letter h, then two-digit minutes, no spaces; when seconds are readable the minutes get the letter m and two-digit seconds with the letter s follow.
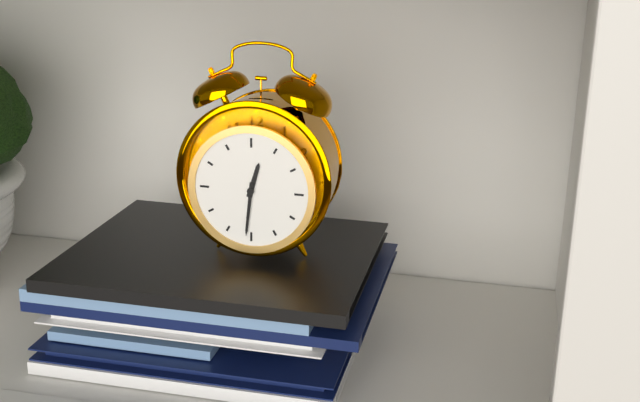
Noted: 12h31
